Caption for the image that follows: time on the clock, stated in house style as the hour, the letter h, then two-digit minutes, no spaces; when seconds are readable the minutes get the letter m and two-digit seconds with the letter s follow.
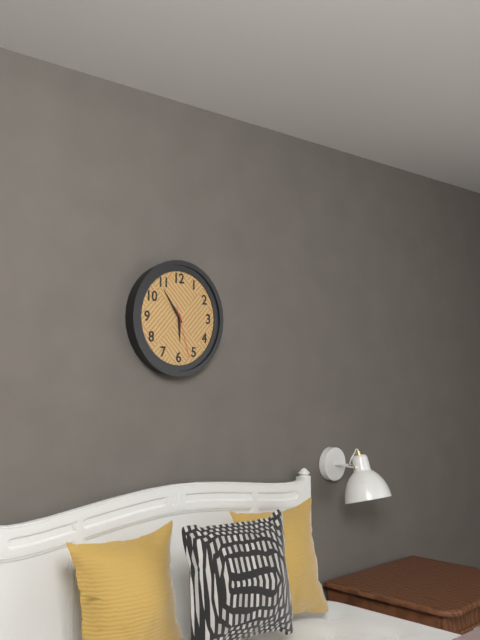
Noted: 5h54m27s
